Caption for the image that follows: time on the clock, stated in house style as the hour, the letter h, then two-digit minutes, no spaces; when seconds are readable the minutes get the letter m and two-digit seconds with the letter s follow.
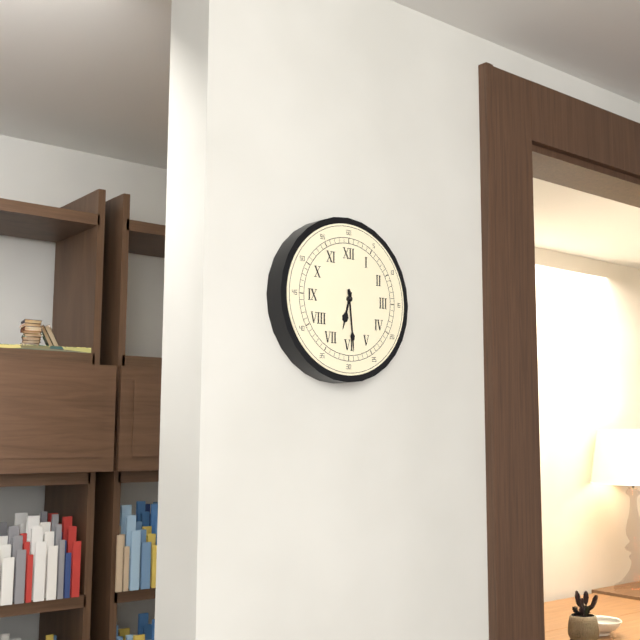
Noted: 6h29
